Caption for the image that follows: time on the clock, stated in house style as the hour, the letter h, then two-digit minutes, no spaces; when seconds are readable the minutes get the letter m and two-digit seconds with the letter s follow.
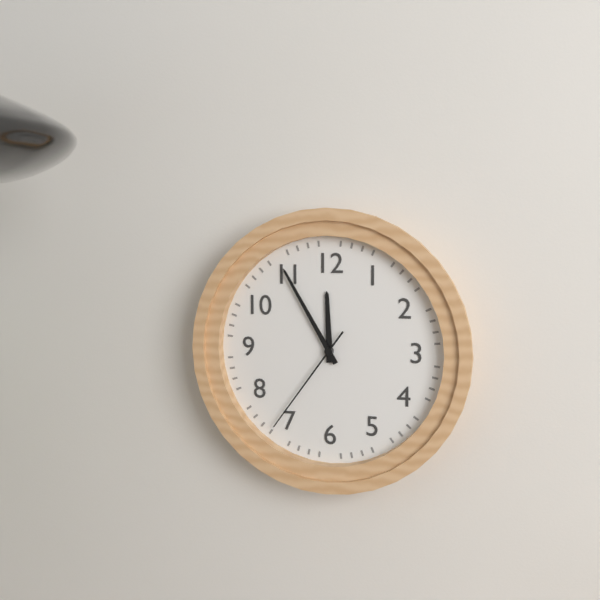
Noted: 11h55m36s
